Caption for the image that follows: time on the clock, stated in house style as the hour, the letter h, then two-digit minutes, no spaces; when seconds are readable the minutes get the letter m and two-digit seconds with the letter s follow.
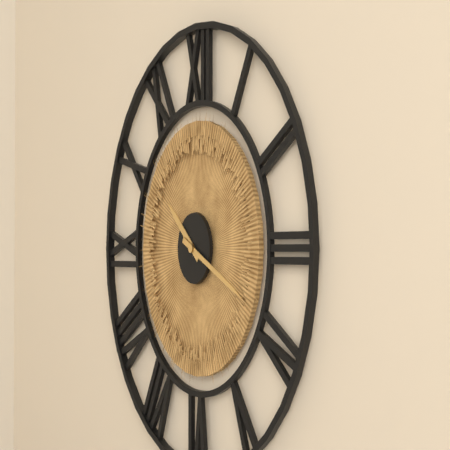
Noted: 10h19
